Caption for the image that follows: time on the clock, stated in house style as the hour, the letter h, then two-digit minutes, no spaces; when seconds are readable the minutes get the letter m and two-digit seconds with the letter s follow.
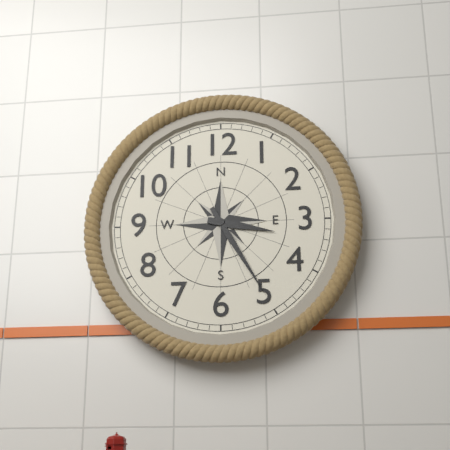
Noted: 3h25
